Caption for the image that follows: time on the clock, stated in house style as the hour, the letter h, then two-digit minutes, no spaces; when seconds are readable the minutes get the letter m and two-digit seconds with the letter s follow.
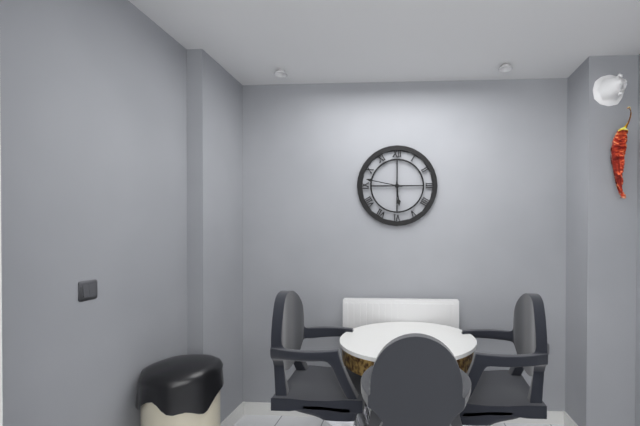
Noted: 5h47
